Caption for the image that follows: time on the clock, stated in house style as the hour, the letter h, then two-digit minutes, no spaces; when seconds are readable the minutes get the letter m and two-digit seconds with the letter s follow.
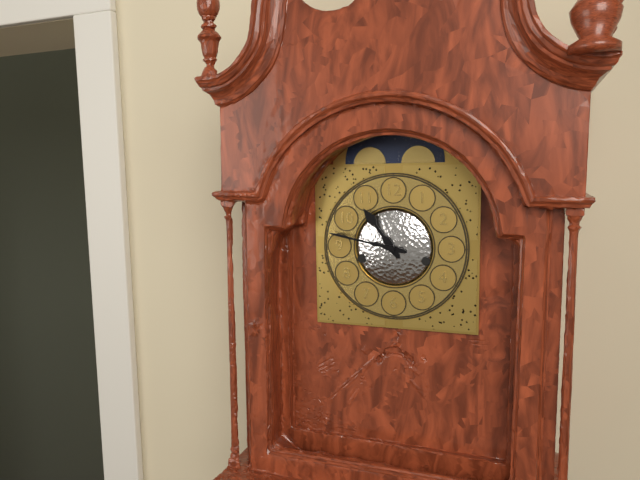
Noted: 10h47
